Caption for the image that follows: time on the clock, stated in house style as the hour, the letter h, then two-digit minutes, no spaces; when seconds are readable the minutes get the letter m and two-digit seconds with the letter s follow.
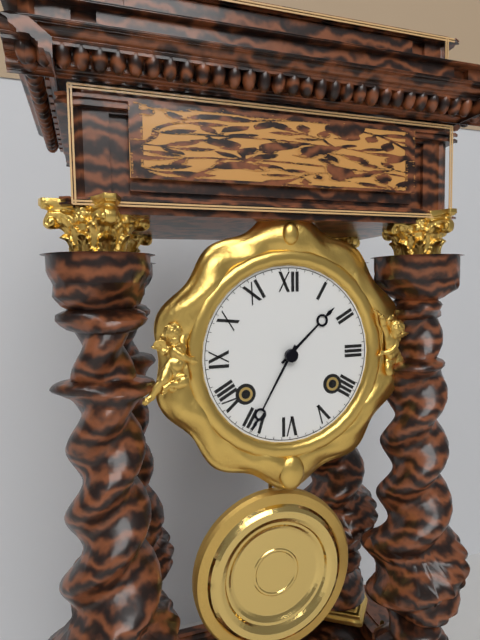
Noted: 1h35
